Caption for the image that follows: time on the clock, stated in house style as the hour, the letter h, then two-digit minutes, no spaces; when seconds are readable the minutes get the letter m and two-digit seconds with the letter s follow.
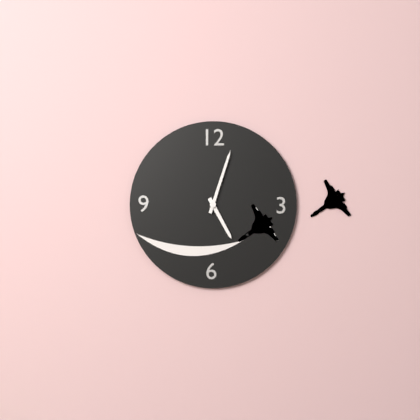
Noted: 5h03
